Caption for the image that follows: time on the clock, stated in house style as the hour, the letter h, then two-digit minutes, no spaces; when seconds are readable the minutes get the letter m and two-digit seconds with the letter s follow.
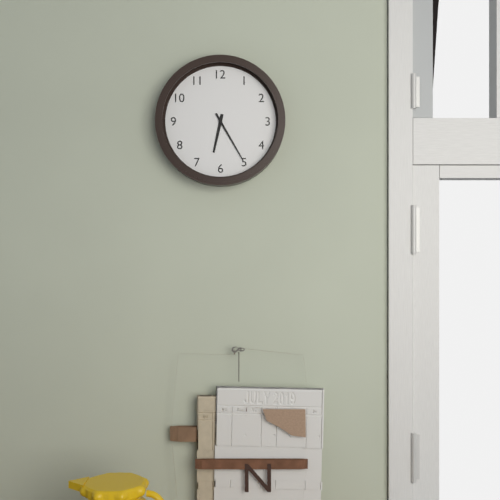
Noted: 6h25
